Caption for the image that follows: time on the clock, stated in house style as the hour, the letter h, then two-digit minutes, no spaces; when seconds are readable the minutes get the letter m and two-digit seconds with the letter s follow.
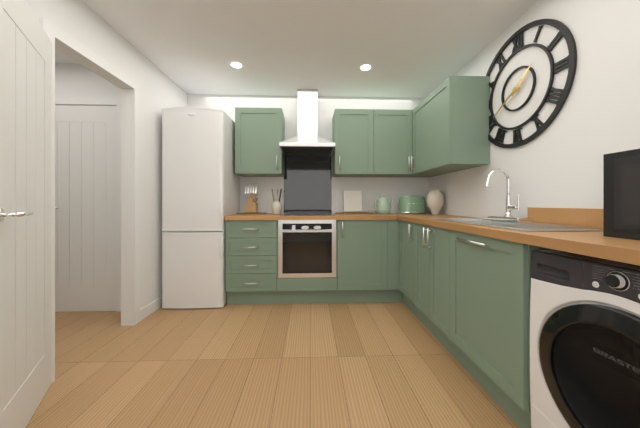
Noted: 1h40
